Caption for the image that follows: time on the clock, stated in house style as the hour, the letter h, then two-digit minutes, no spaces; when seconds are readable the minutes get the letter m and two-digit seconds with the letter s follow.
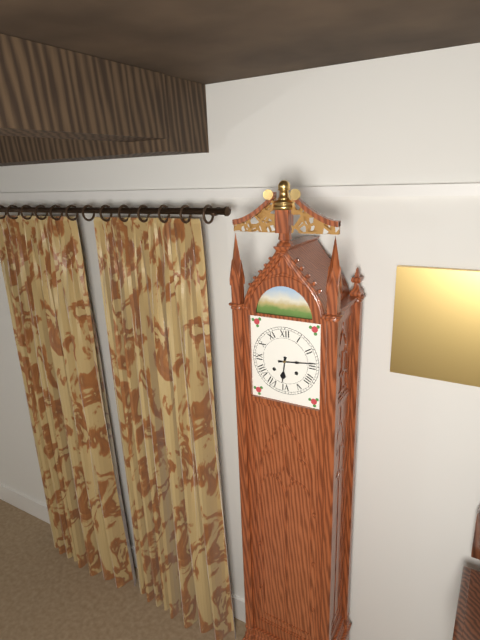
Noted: 6h14
